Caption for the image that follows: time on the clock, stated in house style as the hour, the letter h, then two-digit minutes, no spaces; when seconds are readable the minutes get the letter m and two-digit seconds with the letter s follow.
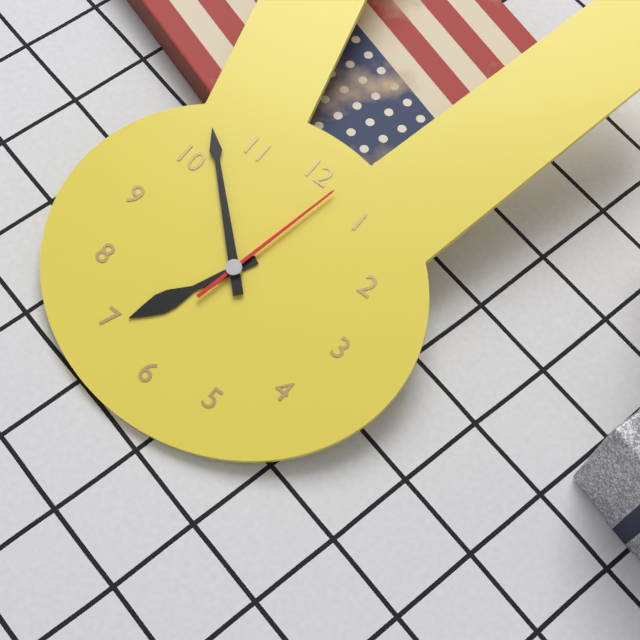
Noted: 6h52m02s
